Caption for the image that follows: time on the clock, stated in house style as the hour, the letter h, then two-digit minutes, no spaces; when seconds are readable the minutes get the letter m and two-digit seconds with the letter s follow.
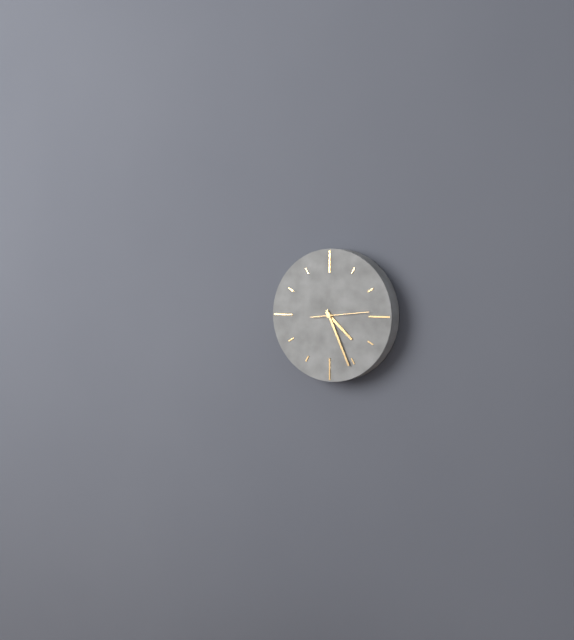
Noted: 4h26
